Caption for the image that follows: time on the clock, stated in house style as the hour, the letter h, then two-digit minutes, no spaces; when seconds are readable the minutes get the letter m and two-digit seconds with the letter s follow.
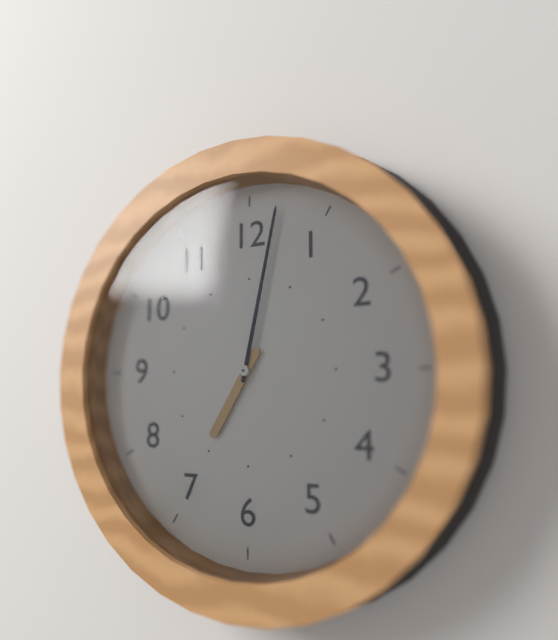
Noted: 7h02
